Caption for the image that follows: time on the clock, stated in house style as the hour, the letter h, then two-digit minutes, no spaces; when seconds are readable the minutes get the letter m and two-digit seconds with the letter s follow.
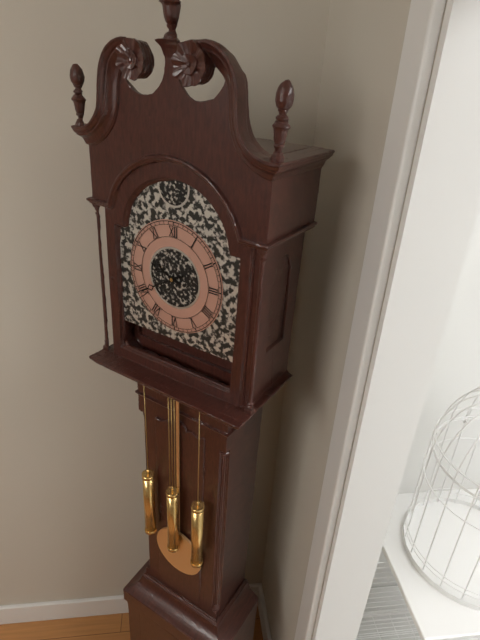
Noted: 9h40
